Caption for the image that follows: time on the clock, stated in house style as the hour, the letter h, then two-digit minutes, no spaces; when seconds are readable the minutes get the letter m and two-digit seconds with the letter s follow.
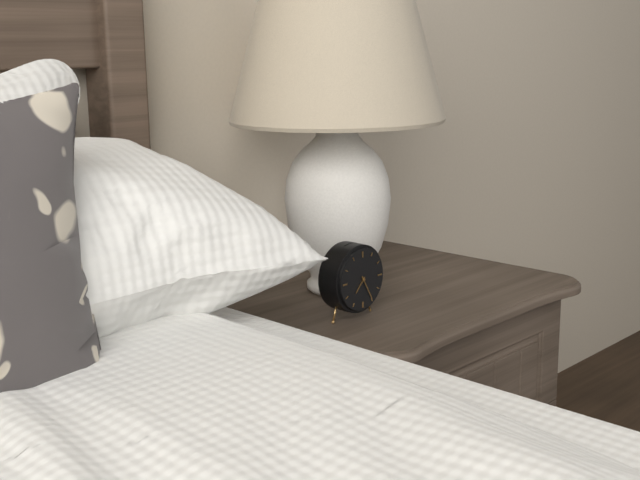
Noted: 7h25
